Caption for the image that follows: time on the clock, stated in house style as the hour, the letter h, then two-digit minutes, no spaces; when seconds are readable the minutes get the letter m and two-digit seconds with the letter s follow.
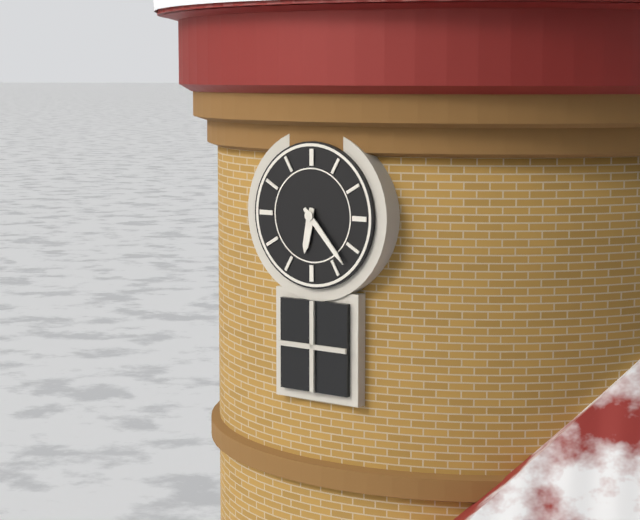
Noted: 6h23
